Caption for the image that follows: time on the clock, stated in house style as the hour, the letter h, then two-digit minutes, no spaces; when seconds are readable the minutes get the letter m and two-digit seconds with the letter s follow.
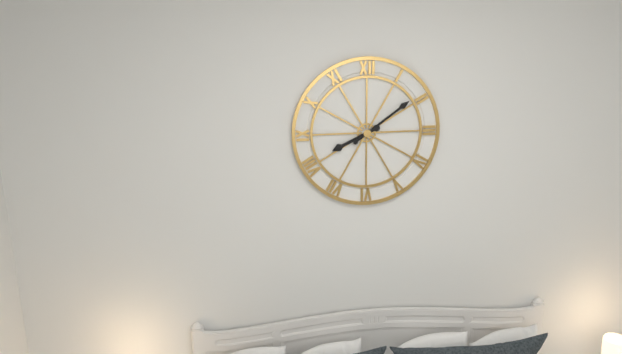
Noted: 8h09
